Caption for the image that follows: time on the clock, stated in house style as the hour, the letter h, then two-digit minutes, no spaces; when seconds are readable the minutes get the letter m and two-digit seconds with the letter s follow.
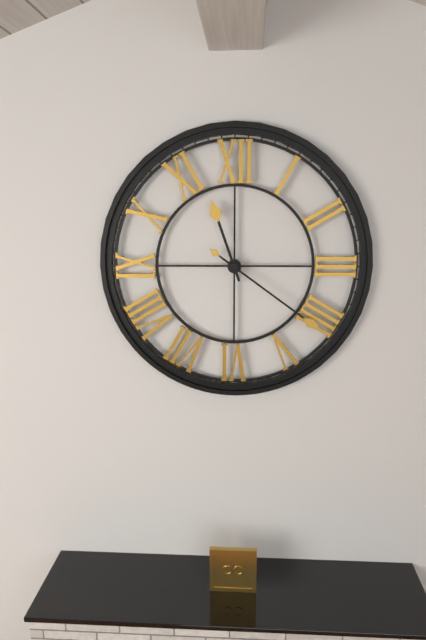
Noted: 11h21
